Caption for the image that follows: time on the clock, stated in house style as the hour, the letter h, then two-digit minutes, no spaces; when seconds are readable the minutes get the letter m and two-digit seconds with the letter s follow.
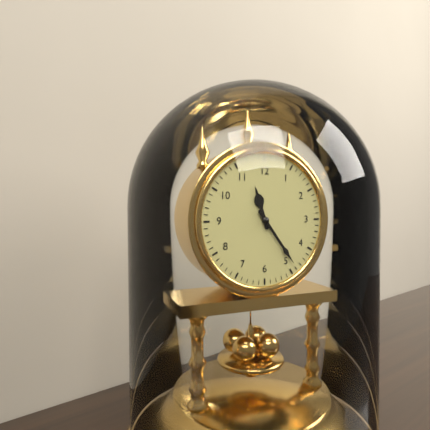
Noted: 11h24
